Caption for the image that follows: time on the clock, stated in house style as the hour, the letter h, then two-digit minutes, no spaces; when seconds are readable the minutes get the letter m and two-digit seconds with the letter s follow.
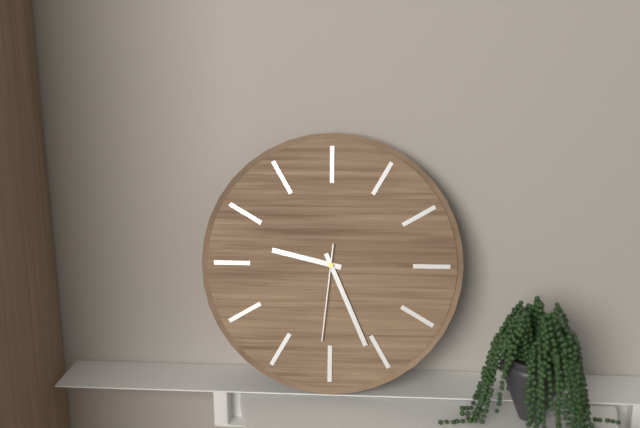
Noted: 9h26m31s
